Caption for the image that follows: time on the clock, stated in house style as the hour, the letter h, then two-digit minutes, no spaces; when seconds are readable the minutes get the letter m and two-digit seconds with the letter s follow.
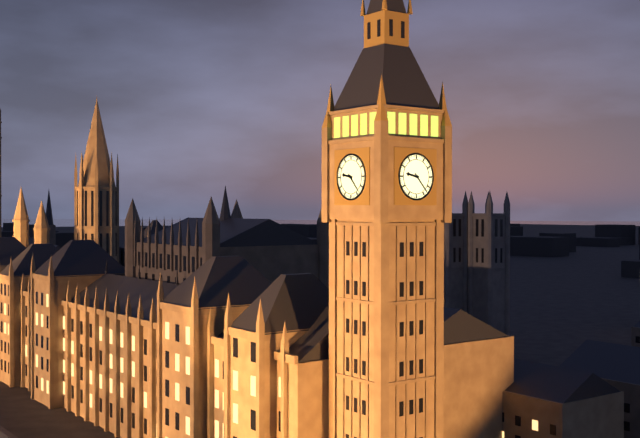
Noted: 9h23
